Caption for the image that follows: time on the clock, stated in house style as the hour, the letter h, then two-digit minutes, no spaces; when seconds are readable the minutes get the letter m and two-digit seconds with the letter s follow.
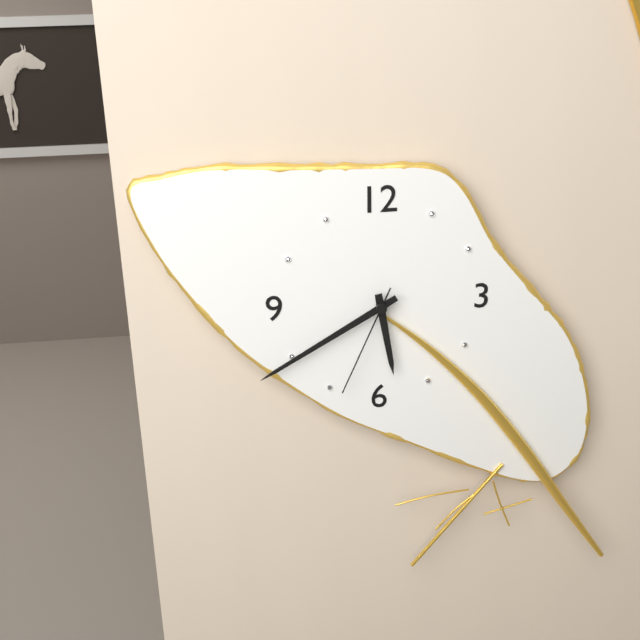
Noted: 5h40m34s
